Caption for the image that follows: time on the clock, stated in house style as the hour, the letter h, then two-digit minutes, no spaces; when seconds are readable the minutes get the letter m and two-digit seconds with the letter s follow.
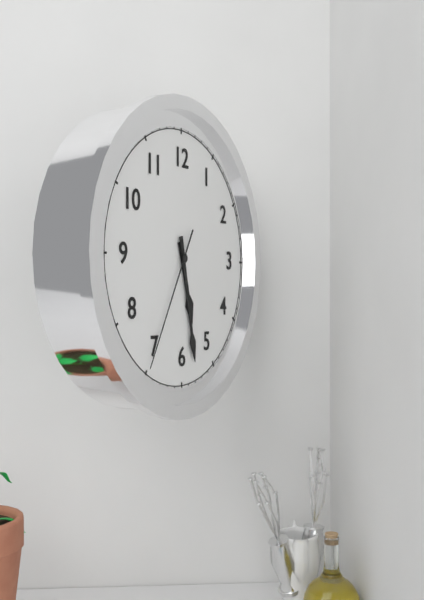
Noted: 5h28m35s
